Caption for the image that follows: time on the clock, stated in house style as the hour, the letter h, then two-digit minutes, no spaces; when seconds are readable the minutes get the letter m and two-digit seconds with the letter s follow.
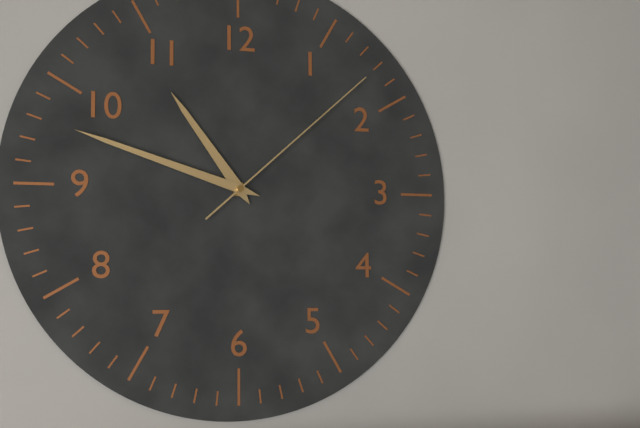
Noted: 10h48m08s
